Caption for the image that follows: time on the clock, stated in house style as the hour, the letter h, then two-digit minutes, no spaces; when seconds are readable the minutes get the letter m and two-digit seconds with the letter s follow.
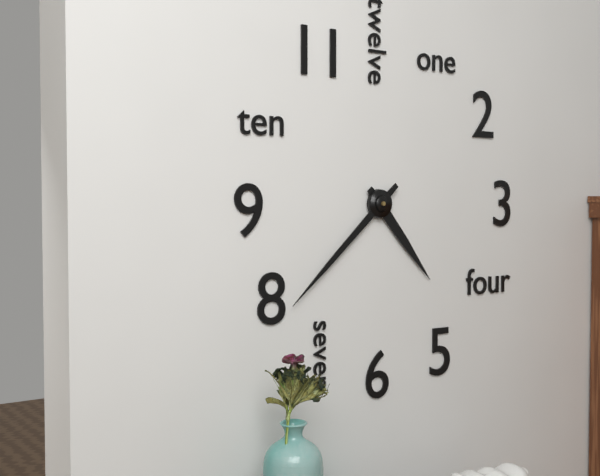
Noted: 4h38
